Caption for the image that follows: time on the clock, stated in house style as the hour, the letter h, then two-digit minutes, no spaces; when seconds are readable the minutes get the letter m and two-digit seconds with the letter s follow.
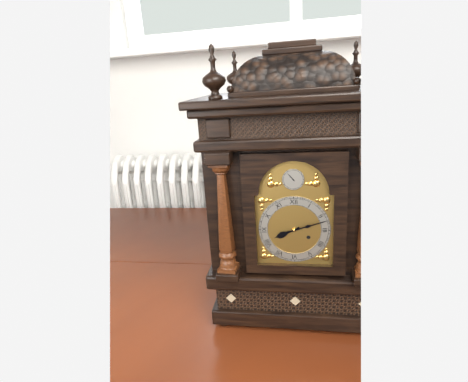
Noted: 8h12
